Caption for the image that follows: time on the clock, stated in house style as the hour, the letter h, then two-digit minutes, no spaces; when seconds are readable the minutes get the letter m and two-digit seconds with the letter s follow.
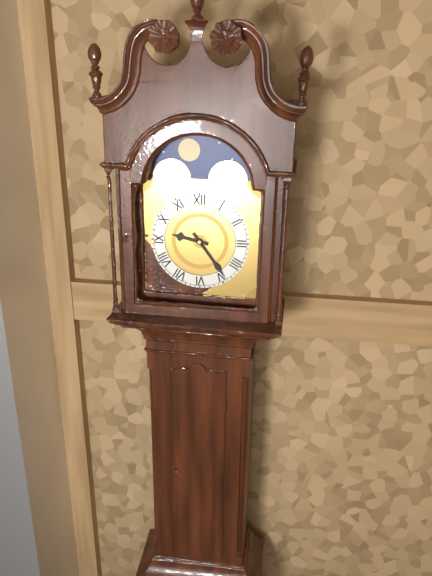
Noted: 9h24
